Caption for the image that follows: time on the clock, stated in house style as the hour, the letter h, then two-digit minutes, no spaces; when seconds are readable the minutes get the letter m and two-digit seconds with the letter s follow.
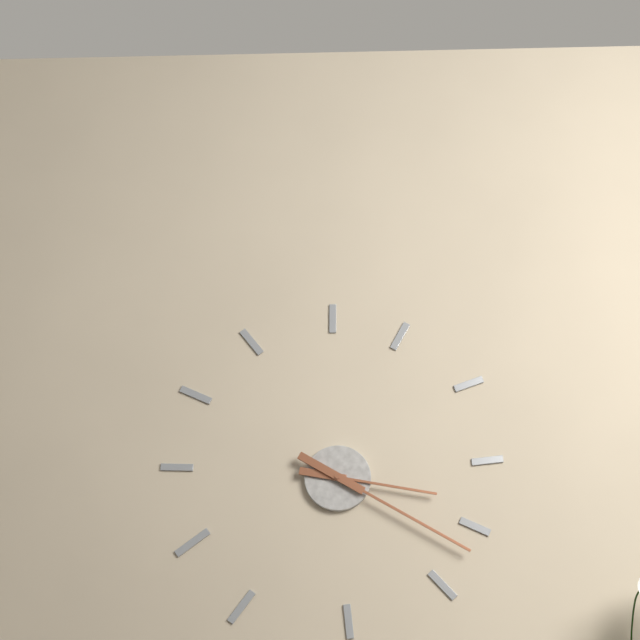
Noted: 3h20
